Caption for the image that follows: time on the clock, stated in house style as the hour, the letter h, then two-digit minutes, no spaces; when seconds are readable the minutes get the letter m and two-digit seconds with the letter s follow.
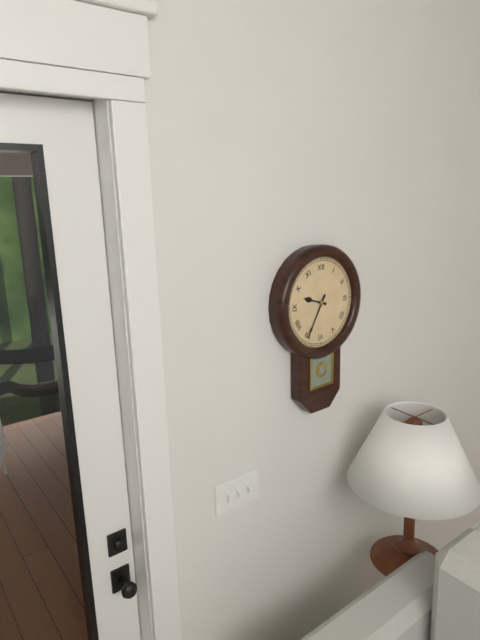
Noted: 9h35
